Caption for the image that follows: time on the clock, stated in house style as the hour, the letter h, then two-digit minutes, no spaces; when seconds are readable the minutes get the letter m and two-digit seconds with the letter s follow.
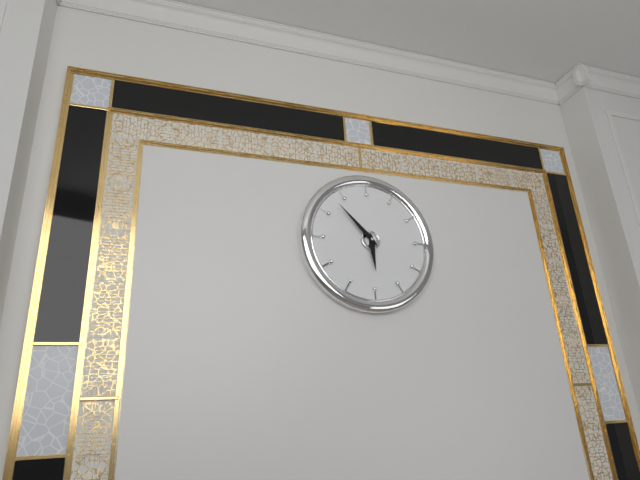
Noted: 5h53
